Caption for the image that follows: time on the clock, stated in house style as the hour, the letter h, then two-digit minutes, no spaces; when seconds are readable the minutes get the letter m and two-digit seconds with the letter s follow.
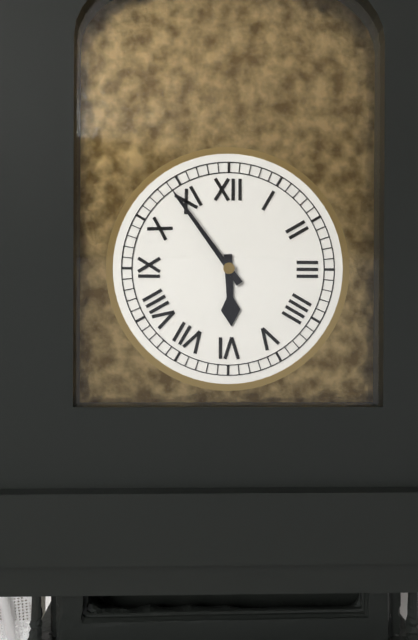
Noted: 5h54
